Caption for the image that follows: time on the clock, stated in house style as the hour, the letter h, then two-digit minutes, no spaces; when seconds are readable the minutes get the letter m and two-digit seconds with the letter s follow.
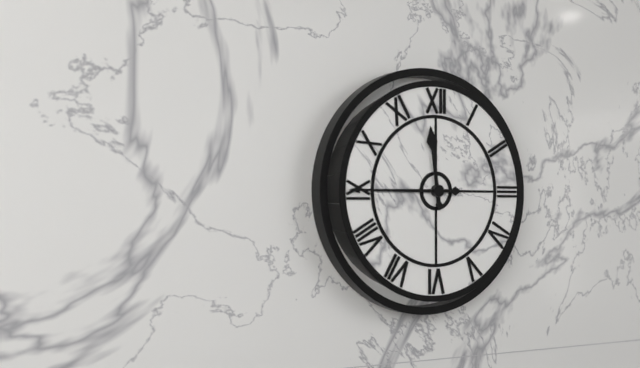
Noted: 11h45
